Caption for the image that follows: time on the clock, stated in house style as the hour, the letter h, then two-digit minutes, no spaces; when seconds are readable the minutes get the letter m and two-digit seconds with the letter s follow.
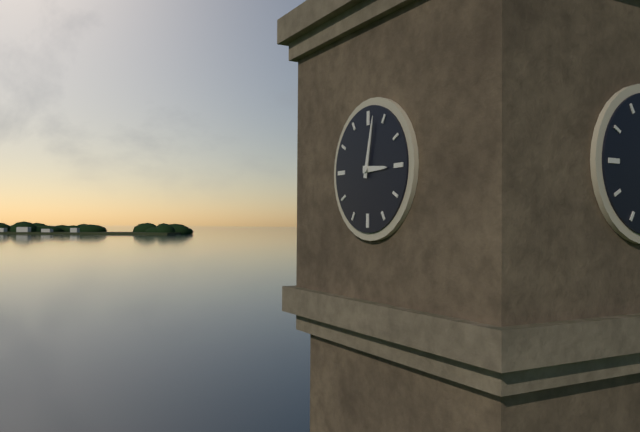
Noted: 3h02
